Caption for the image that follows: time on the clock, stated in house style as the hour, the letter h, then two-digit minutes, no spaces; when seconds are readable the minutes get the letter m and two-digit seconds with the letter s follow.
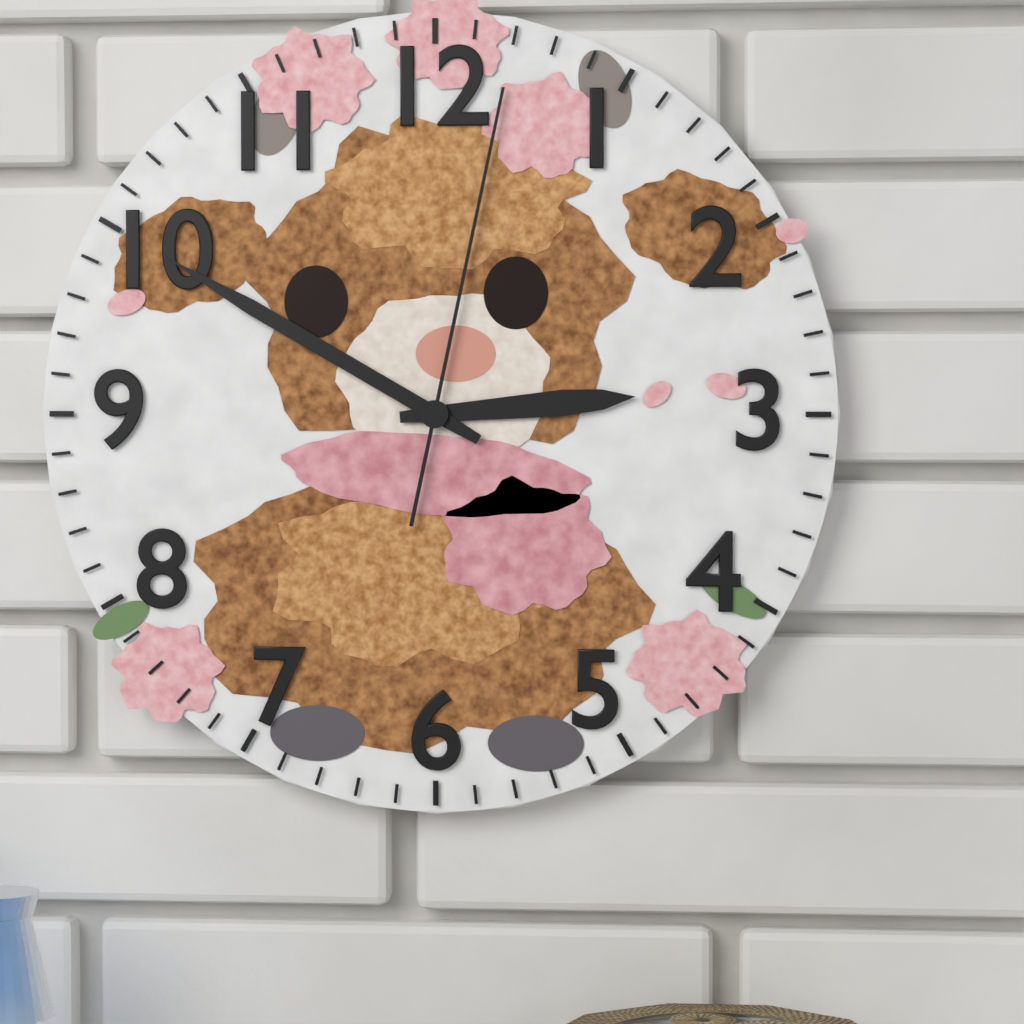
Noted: 2h50m02s
